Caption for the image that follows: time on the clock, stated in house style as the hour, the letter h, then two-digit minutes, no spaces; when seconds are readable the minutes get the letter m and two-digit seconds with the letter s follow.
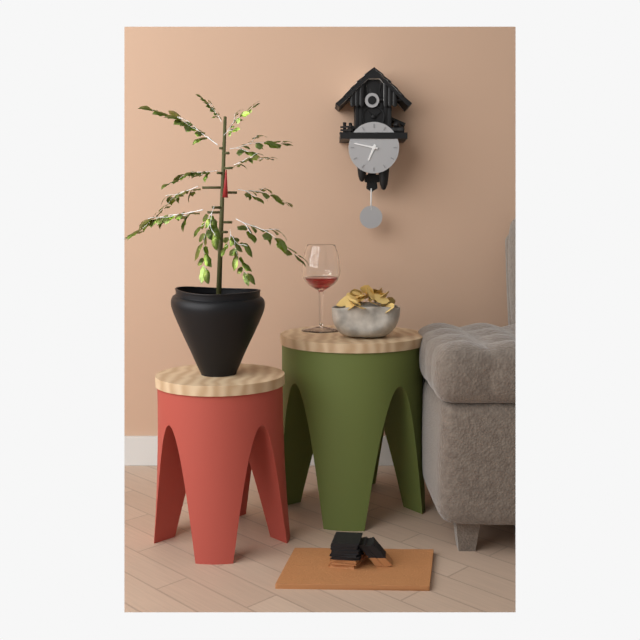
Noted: 6h47
